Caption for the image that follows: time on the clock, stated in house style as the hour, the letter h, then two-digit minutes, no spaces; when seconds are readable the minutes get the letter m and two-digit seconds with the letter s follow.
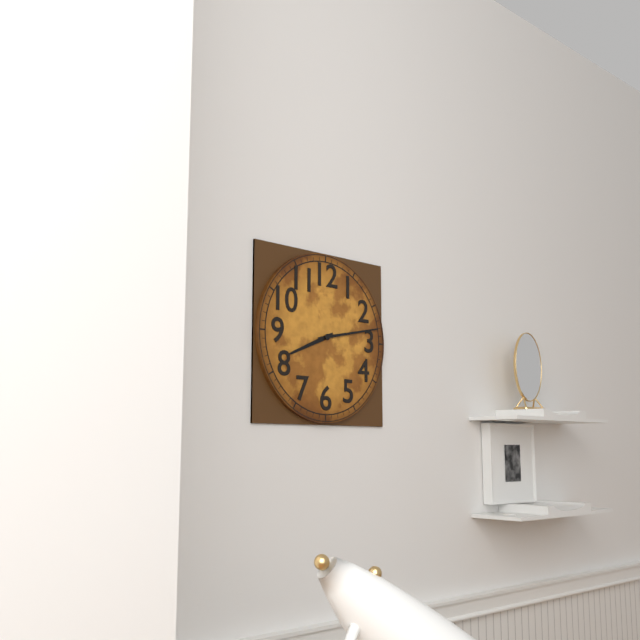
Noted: 8h13
